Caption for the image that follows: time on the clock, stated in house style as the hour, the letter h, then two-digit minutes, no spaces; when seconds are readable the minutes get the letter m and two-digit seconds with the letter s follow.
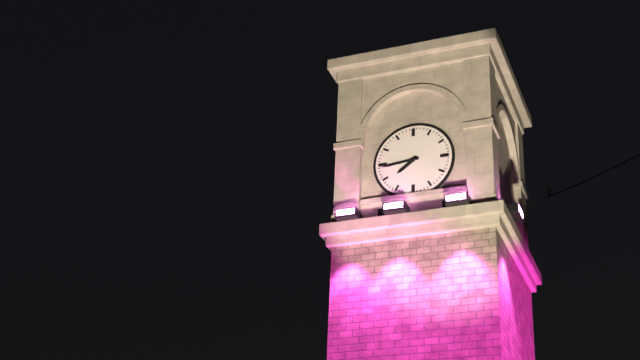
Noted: 7h44
